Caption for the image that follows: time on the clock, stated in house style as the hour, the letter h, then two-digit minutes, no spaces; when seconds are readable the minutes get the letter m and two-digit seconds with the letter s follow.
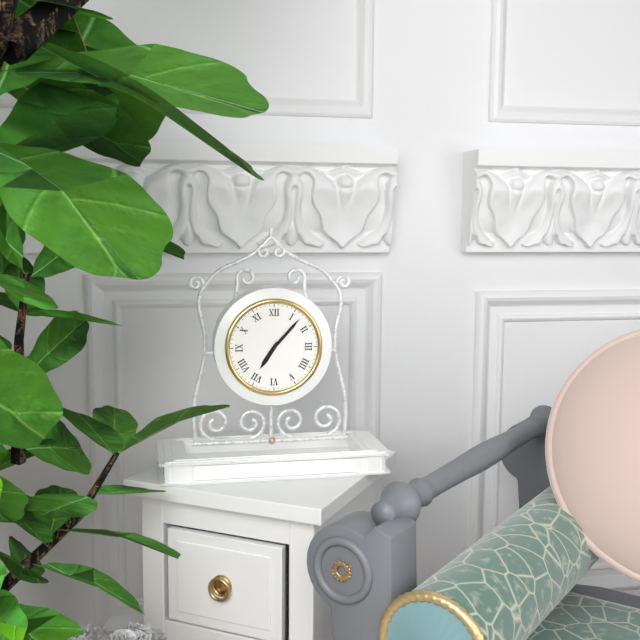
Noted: 7h07
